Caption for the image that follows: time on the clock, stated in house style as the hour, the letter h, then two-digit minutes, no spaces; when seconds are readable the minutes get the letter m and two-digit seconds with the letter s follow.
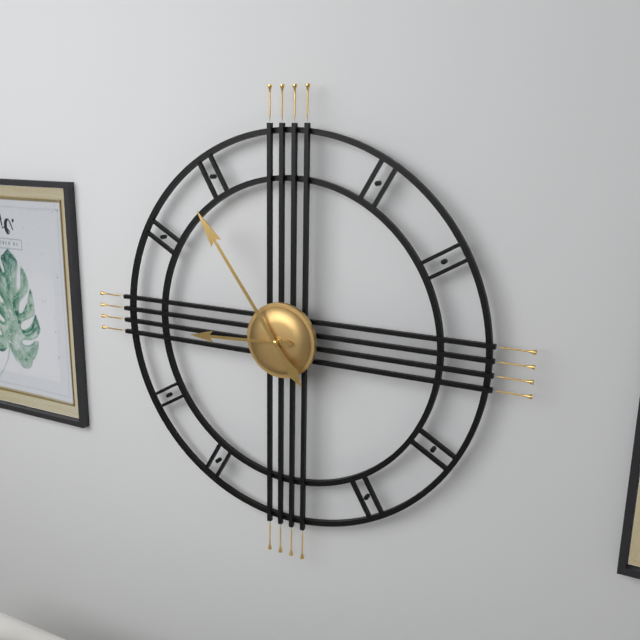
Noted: 8h54
